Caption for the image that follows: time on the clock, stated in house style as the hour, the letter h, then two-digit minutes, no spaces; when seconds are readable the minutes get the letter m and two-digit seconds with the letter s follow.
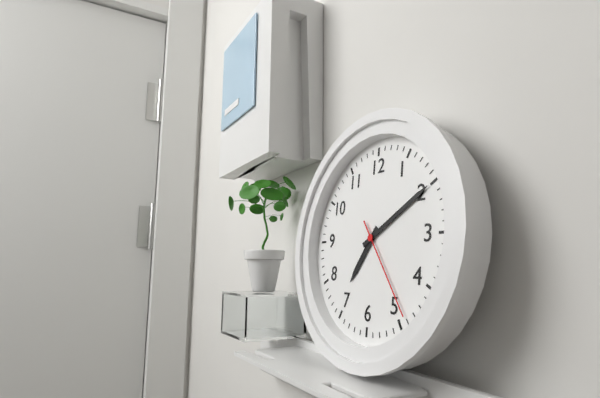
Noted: 7h10m24s
